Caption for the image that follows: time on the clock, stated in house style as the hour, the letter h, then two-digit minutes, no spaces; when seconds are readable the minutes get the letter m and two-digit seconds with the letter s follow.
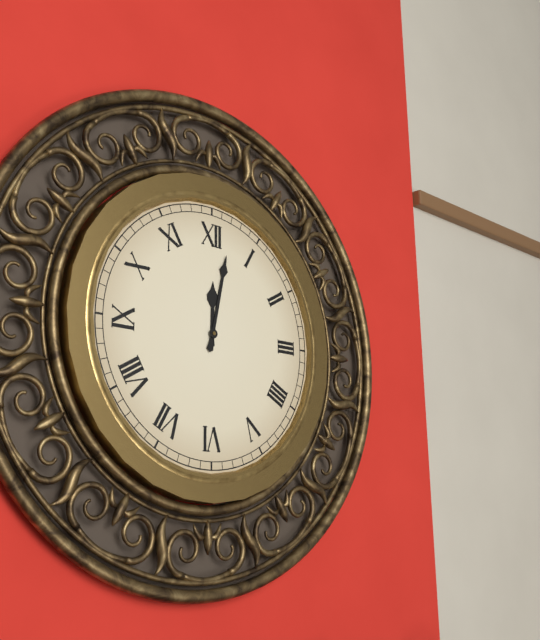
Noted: 12h02
